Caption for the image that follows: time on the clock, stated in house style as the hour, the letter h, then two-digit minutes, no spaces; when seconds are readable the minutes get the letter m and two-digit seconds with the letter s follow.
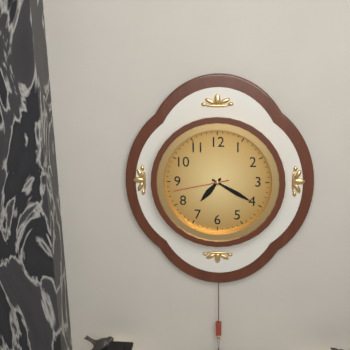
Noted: 7h20m43s
